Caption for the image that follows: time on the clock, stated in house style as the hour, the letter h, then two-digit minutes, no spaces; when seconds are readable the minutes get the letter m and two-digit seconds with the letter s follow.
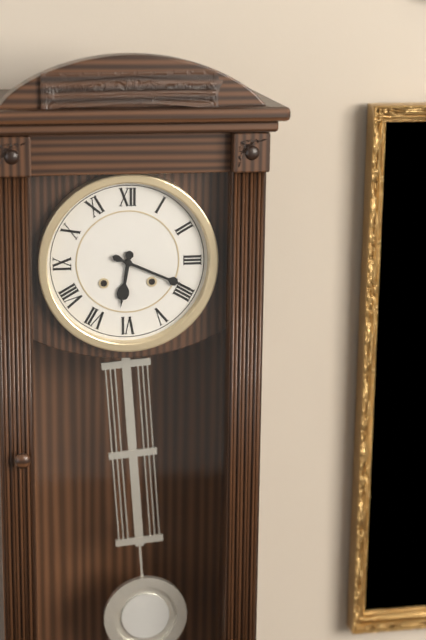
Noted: 6h19
